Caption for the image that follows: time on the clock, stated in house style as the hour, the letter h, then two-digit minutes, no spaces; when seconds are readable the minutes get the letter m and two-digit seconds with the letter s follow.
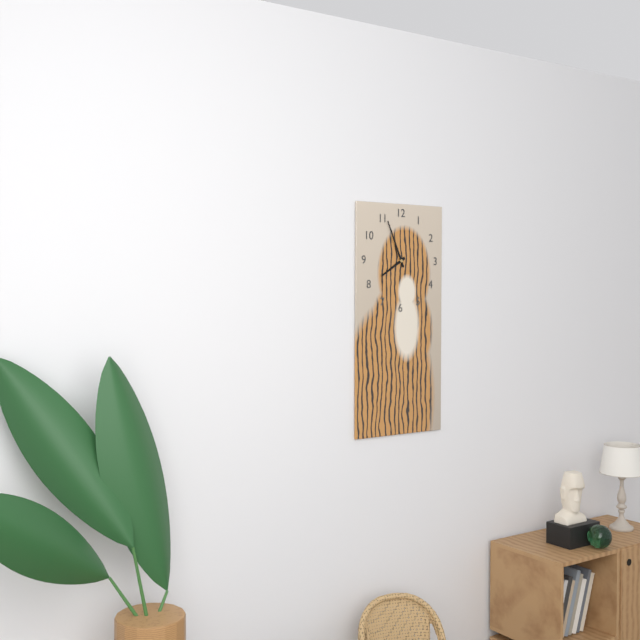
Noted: 7h56
